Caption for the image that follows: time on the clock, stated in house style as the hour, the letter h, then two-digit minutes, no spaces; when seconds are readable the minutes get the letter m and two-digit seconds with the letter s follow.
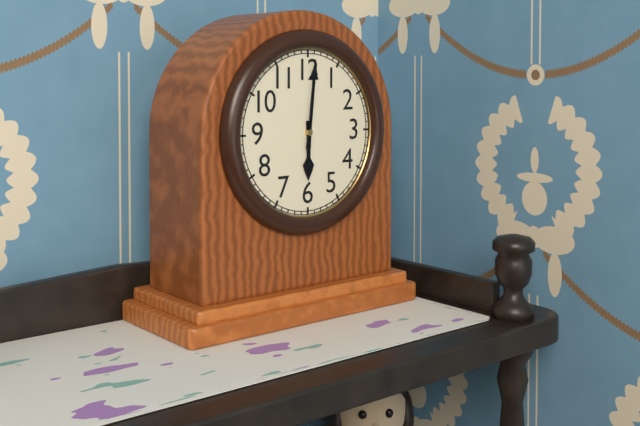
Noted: 6h01
